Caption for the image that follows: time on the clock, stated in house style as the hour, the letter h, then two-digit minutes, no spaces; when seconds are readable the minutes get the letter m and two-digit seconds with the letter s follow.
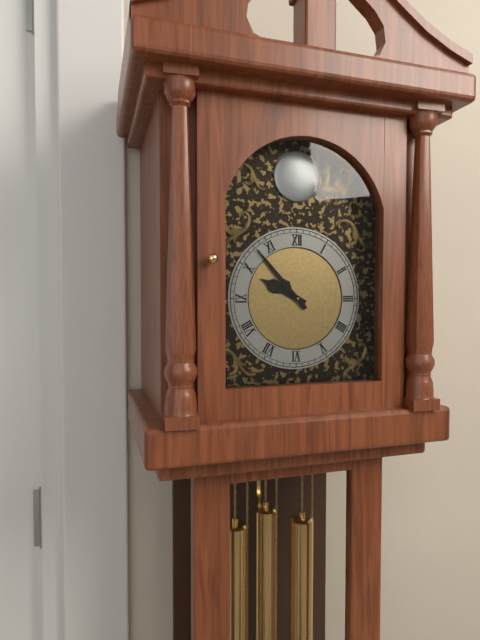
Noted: 9h53
